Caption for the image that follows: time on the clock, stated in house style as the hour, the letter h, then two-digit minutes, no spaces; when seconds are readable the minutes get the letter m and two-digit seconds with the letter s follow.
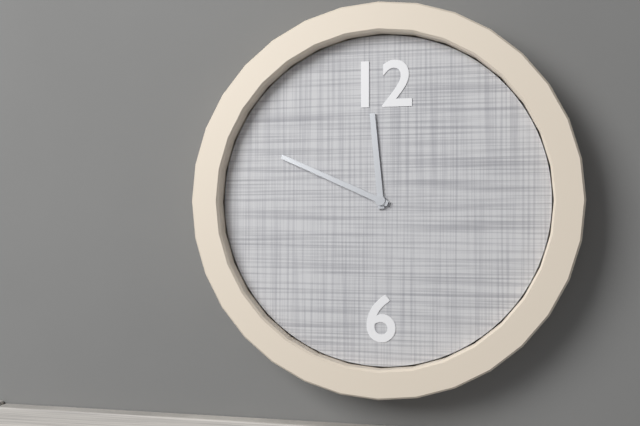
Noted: 11h49
